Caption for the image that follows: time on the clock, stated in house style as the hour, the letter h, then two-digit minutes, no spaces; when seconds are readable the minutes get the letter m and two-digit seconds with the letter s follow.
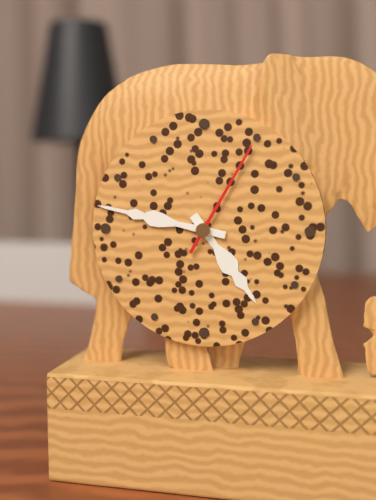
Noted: 4h47m05s
